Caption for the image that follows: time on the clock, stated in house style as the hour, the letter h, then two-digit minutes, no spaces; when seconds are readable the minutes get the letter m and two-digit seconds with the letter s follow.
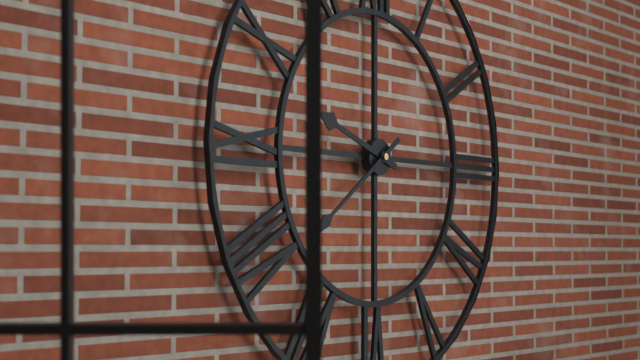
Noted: 9h39
